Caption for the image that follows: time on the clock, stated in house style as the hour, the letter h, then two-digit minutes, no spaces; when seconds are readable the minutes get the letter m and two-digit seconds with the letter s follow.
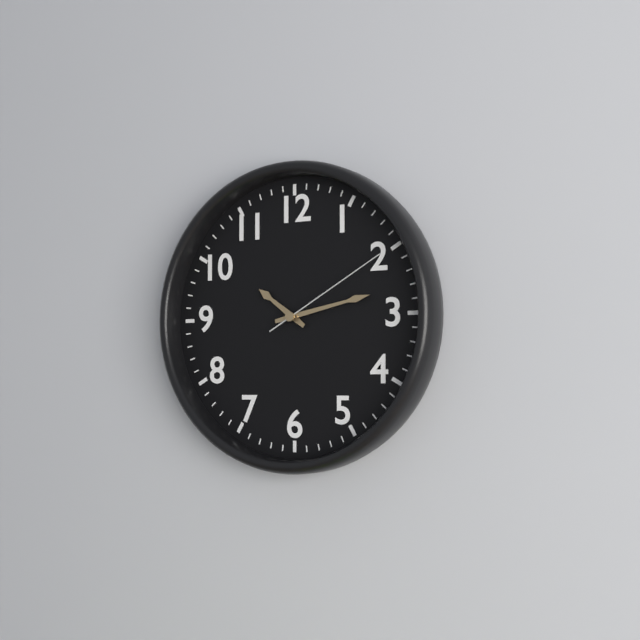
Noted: 10h13m10s
